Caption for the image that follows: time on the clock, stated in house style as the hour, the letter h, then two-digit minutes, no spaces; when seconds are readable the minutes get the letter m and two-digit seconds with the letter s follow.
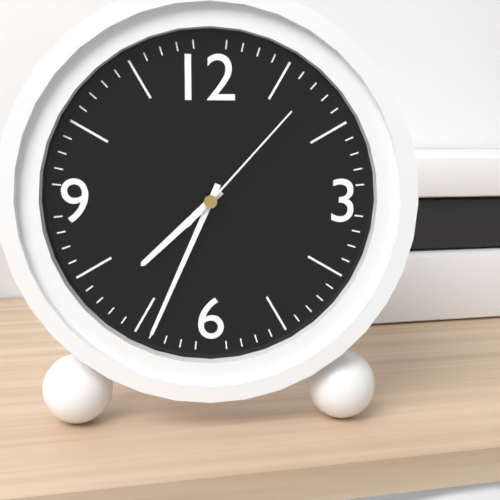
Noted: 7h34m07s
